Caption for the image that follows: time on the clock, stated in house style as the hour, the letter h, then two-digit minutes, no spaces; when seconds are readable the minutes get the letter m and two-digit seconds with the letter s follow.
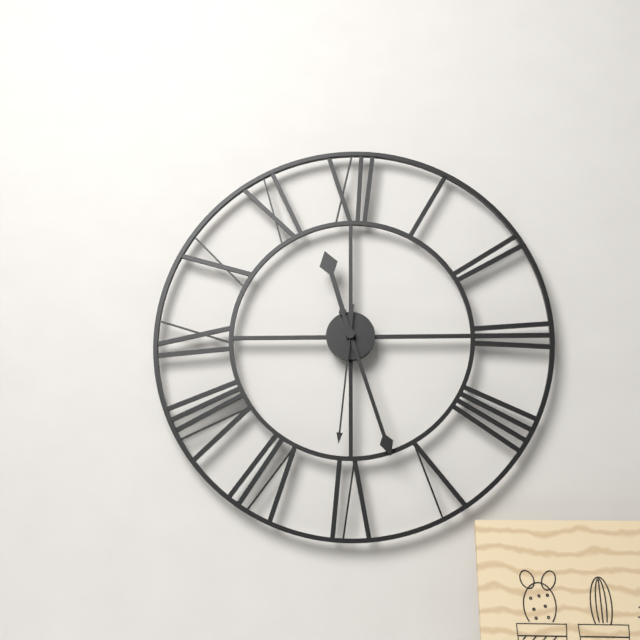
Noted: 11h27m31s
